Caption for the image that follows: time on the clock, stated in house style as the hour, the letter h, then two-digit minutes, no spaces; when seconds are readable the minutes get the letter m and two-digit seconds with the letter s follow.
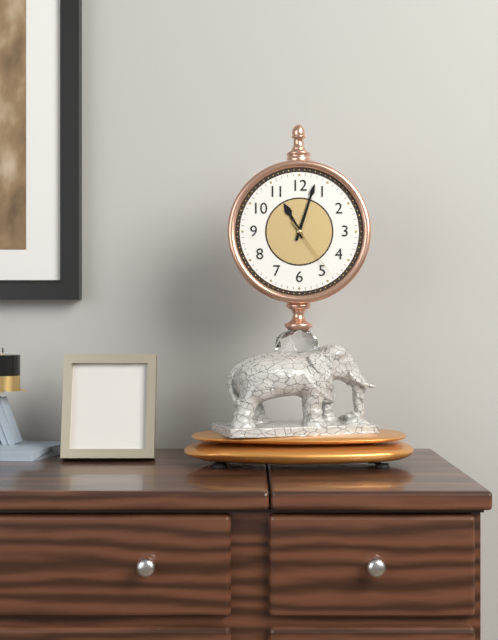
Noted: 11h03m24s
